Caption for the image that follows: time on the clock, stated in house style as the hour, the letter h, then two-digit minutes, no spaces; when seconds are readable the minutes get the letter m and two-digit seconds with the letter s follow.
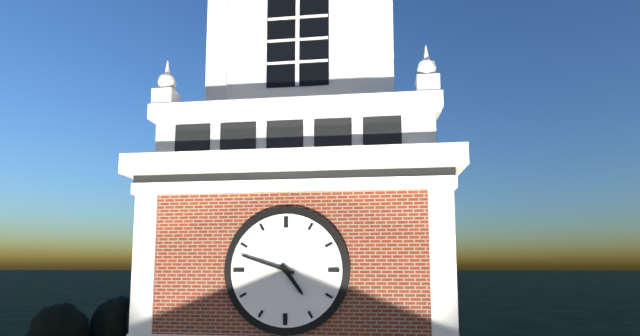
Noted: 4h48
